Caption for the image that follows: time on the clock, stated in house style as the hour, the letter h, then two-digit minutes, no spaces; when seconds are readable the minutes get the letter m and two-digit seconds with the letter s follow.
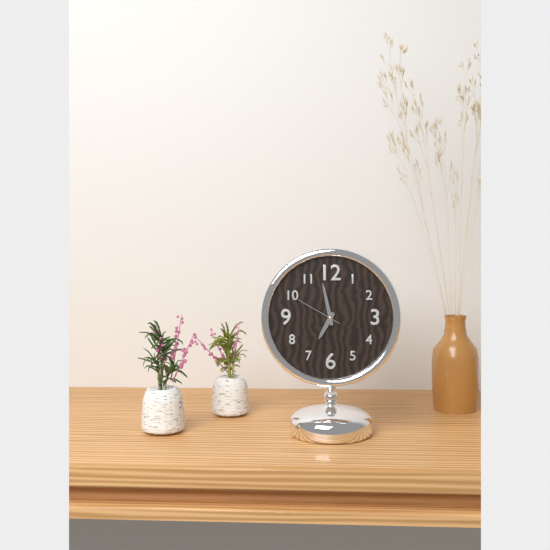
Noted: 6h58m50s
